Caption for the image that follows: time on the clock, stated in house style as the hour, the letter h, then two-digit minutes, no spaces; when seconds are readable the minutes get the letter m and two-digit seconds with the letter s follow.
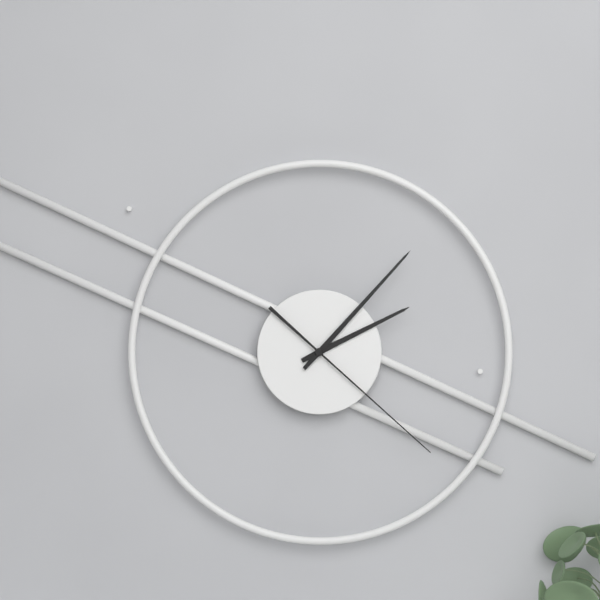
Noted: 2h07m22s
